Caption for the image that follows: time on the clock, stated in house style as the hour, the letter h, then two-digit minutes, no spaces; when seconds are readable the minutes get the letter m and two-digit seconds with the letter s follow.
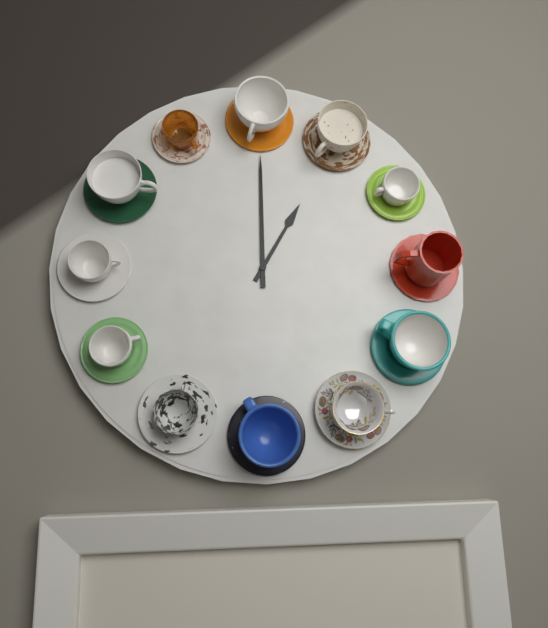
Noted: 1h00
